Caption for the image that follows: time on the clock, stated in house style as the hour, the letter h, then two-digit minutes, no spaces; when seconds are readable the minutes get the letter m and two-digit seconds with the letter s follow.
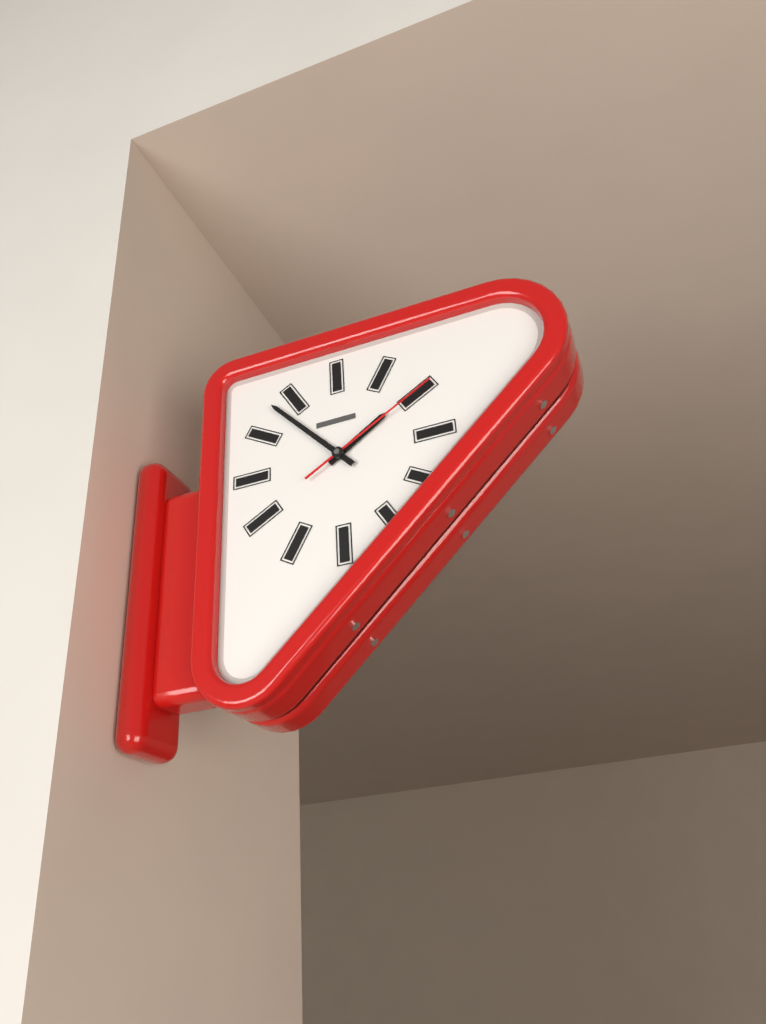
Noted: 1h53m10s
